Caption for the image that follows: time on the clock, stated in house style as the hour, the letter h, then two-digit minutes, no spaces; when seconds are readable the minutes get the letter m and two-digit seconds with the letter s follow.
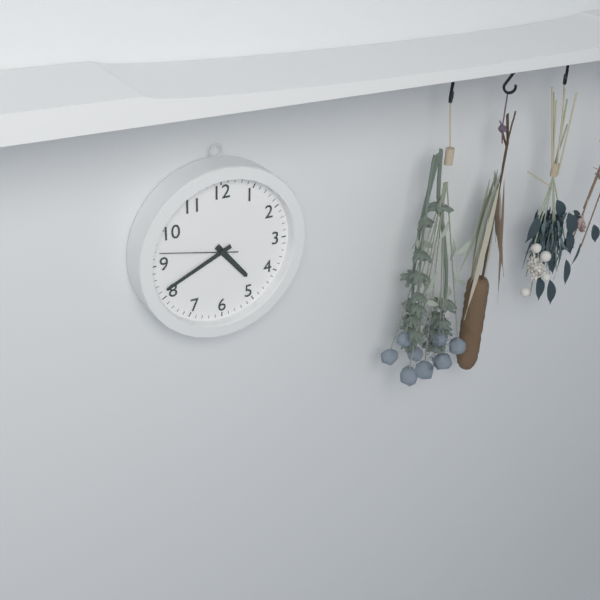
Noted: 4h41m47s
